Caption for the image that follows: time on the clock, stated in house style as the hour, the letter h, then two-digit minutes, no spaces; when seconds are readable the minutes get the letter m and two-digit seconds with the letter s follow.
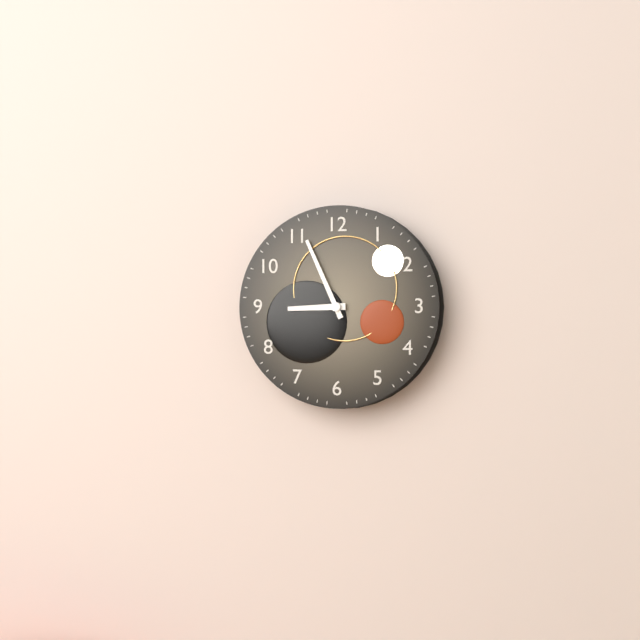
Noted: 8h56
